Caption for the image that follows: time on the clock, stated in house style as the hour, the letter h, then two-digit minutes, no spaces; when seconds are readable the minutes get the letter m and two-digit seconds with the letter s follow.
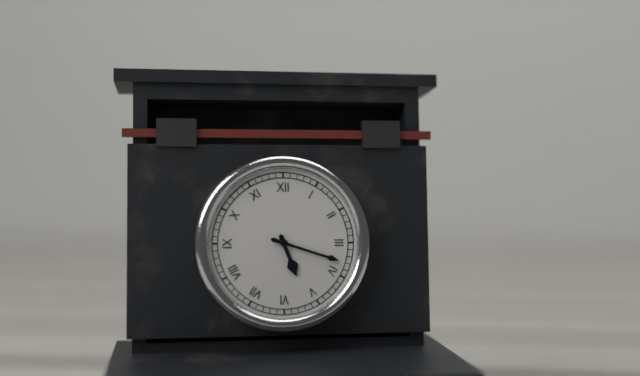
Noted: 5h18
